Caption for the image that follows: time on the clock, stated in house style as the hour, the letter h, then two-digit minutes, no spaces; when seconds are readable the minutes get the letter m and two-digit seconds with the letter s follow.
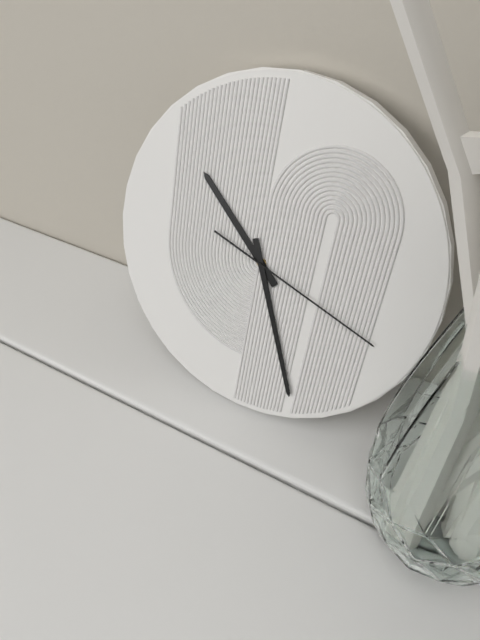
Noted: 10h26m18s
